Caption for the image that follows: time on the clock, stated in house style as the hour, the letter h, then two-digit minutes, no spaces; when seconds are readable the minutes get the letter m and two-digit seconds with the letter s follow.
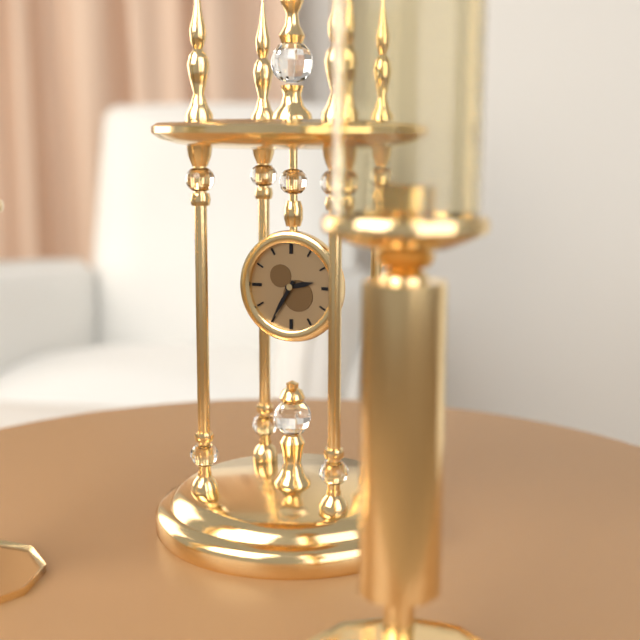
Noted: 2h35
